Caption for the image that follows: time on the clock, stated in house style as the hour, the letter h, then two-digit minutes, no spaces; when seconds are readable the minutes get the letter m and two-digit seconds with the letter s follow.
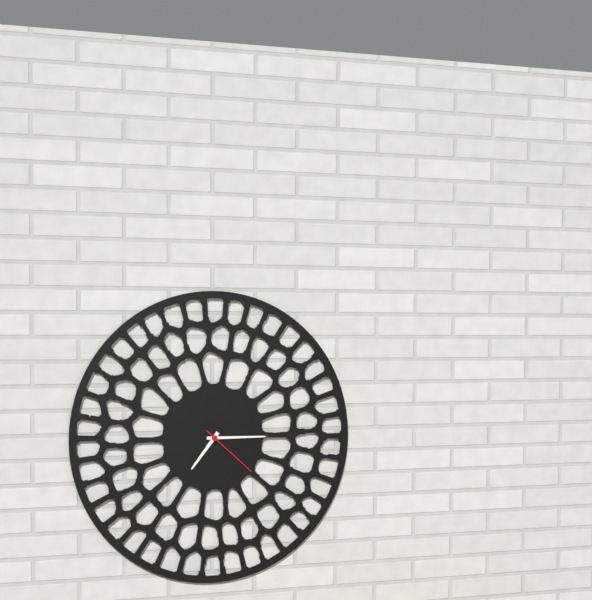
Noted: 7h15m22s
